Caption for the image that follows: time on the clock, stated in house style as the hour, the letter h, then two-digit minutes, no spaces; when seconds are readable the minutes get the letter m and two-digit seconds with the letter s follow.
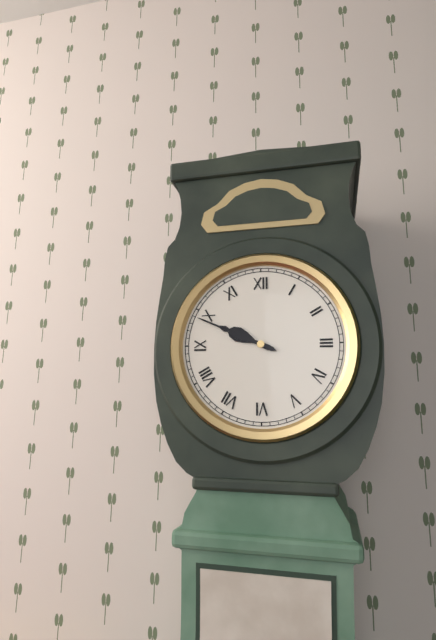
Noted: 9h49
